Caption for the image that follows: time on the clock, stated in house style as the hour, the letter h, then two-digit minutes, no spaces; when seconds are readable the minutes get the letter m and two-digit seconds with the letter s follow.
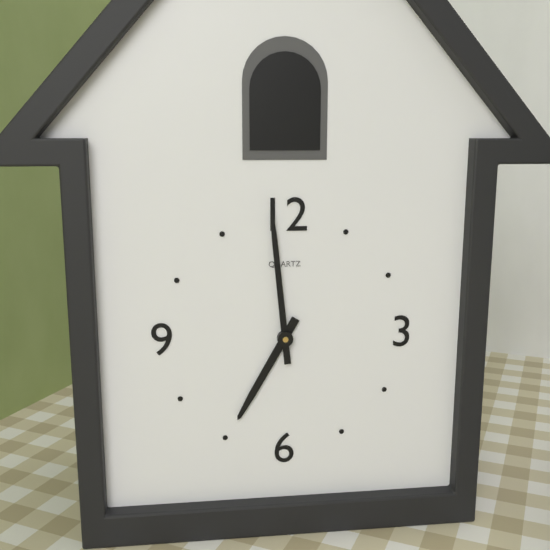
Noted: 6h59
